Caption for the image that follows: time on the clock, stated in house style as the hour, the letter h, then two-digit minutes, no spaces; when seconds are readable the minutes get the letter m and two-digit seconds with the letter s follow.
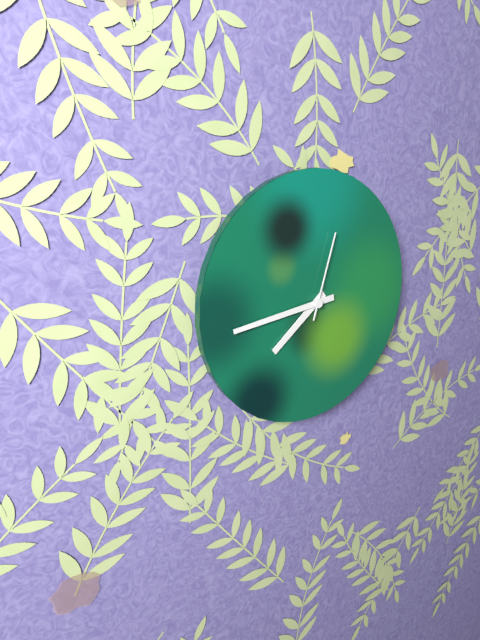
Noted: 7h44m03s
